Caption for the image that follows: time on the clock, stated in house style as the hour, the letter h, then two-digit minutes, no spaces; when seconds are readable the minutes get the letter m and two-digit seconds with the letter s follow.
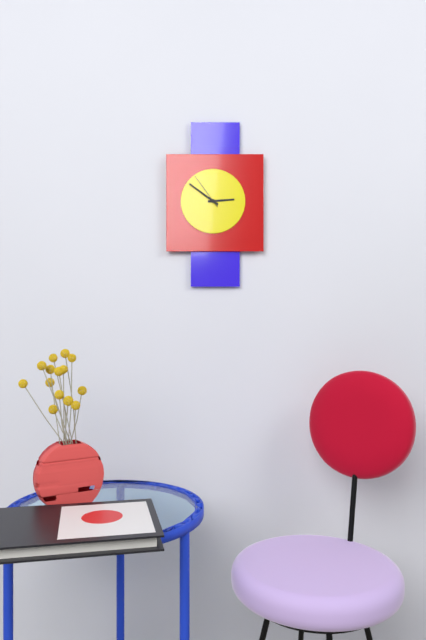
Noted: 2h51
